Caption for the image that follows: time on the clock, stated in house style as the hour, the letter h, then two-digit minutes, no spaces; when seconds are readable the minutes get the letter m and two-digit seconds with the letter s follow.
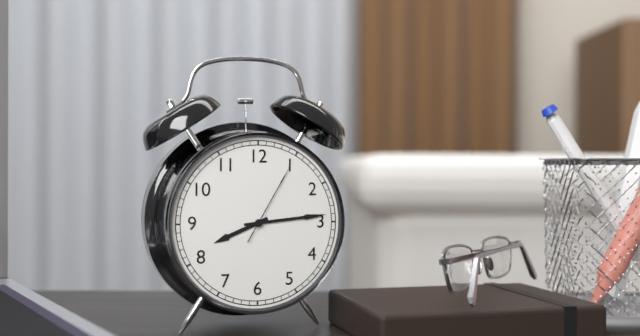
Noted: 8h14m05s
